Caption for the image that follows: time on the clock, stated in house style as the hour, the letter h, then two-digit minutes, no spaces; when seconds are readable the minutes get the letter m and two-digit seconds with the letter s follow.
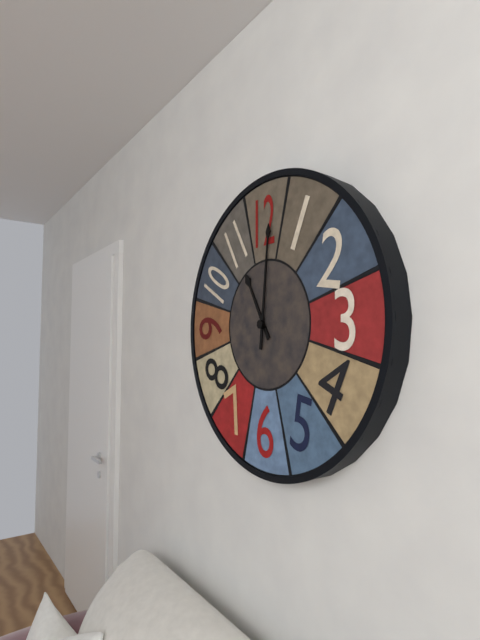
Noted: 11h01
